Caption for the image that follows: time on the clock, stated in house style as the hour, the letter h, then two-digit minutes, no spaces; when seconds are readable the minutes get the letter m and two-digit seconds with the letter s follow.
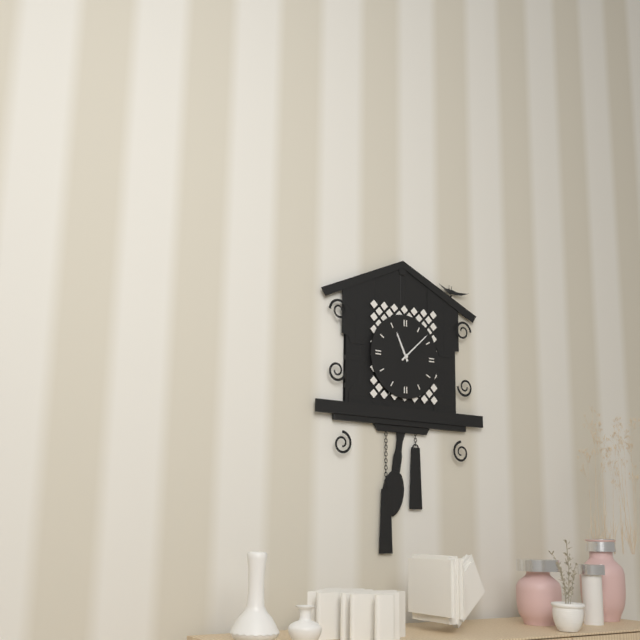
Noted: 11h08
